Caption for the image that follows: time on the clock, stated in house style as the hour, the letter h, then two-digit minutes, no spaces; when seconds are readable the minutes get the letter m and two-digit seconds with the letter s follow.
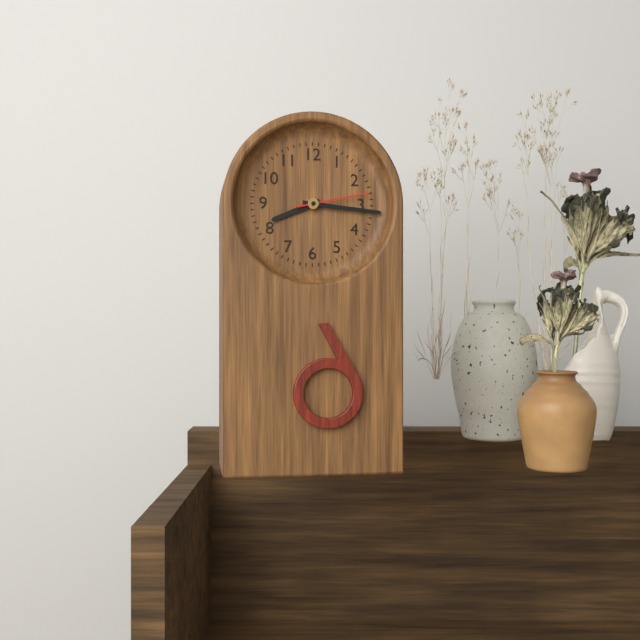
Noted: 8h16m13s
